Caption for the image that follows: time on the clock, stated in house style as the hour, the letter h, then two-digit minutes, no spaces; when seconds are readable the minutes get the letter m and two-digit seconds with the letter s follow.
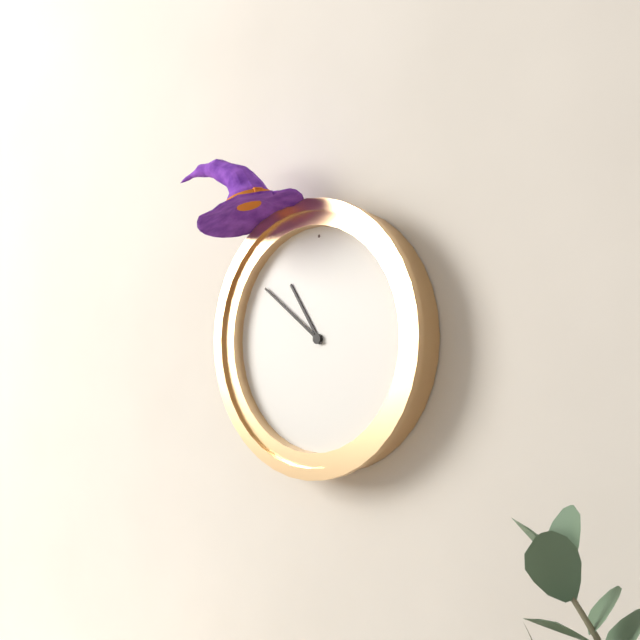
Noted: 10h51
